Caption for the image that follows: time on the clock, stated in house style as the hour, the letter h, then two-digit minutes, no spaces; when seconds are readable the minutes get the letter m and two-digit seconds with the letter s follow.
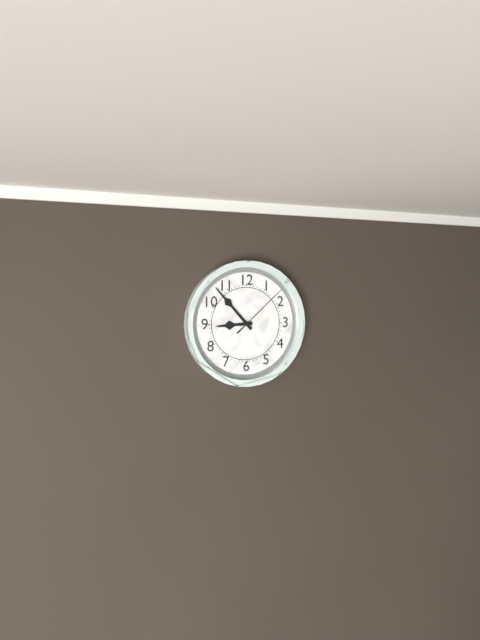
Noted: 8h53m08s
